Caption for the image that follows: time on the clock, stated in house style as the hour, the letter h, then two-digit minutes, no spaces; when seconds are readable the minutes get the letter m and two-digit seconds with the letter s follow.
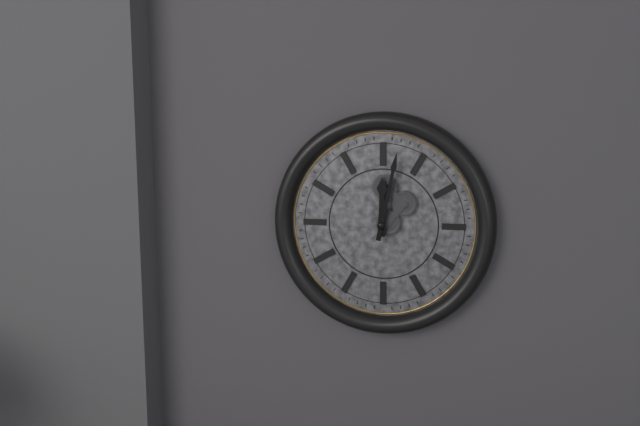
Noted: 12h02
